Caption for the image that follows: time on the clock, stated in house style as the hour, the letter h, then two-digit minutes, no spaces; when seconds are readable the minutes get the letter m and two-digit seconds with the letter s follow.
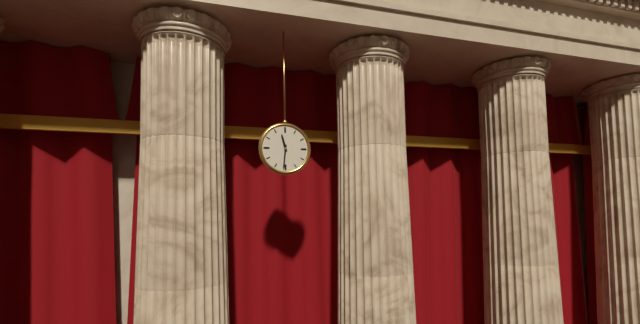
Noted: 11h31
